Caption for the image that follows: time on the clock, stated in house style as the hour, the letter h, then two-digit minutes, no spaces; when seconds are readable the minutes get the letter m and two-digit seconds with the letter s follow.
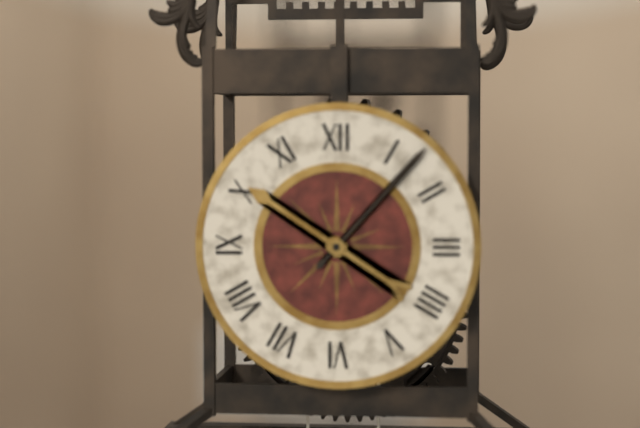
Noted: 10h07
